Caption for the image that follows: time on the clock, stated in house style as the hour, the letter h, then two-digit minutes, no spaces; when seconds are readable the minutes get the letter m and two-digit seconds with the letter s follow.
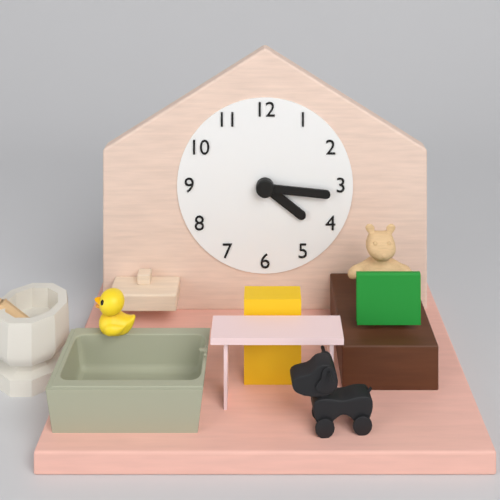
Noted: 4h16
